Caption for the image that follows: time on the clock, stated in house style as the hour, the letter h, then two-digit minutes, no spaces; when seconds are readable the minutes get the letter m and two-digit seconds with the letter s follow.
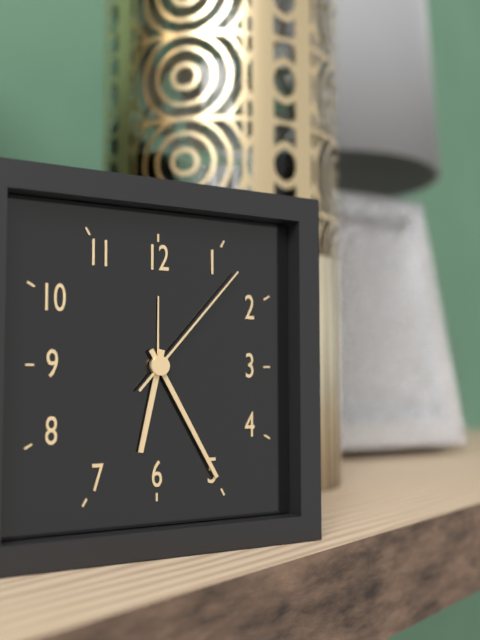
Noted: 6h25m07s
